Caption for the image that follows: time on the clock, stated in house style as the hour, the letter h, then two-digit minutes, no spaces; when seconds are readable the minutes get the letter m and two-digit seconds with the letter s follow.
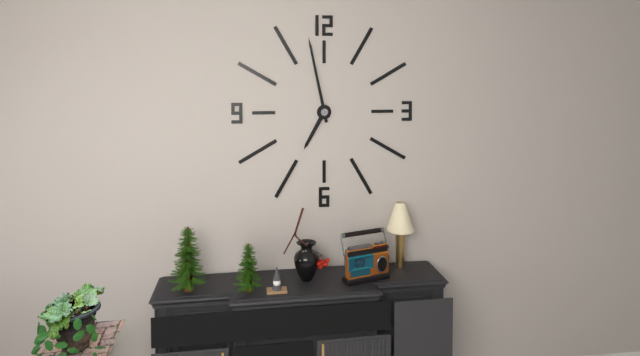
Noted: 6h58
